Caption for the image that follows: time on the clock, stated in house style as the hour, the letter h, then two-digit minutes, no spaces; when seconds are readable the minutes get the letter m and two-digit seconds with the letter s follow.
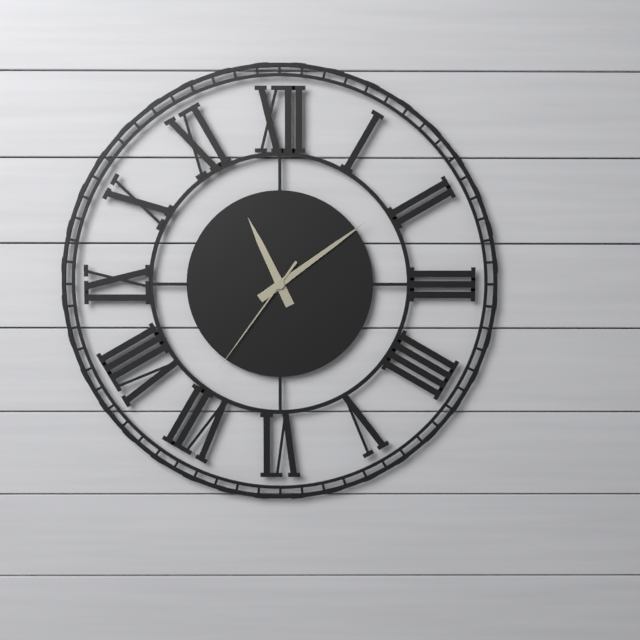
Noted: 11h09m36s
